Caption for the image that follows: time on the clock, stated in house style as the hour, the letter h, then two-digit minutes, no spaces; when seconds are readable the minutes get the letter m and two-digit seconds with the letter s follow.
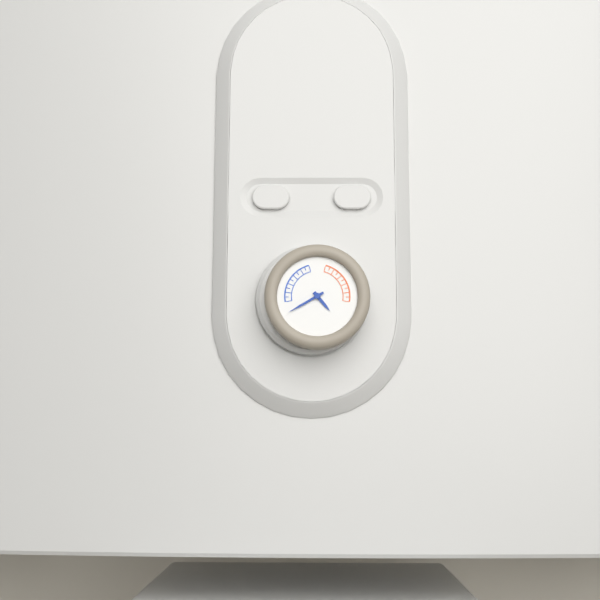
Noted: 4h40
